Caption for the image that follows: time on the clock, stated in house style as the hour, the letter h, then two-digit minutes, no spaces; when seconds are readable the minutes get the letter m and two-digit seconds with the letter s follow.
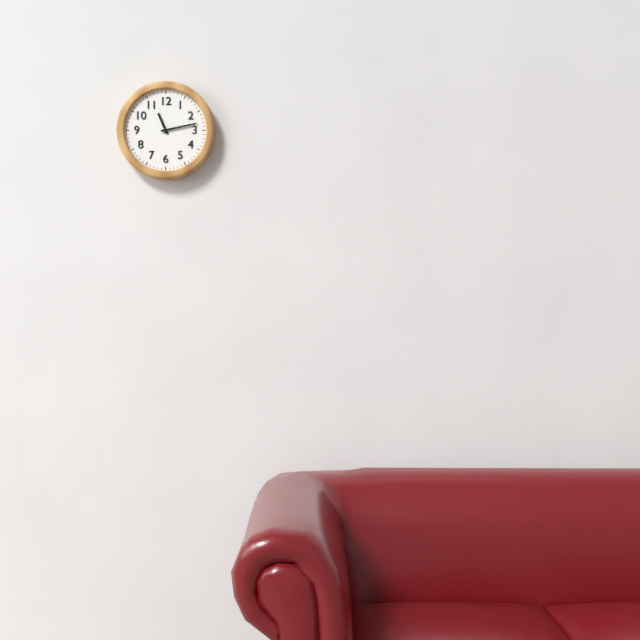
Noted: 11h13
